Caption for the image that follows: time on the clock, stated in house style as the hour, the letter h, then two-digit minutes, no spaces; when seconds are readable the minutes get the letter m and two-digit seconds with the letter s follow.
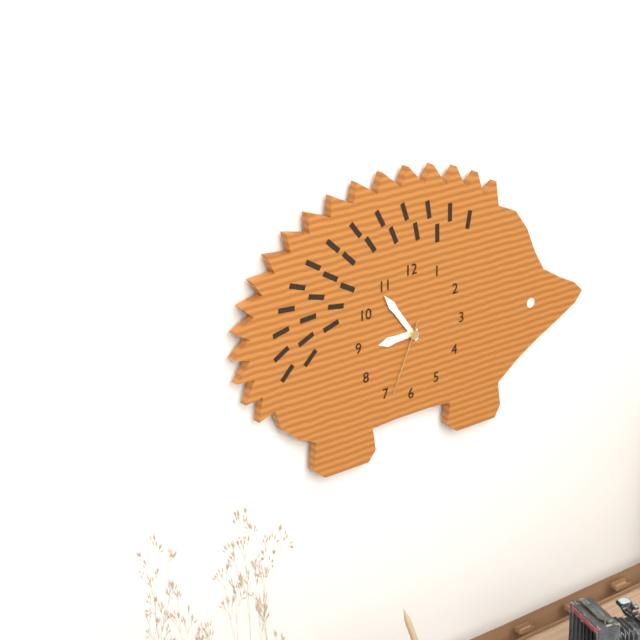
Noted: 8h54m34s
